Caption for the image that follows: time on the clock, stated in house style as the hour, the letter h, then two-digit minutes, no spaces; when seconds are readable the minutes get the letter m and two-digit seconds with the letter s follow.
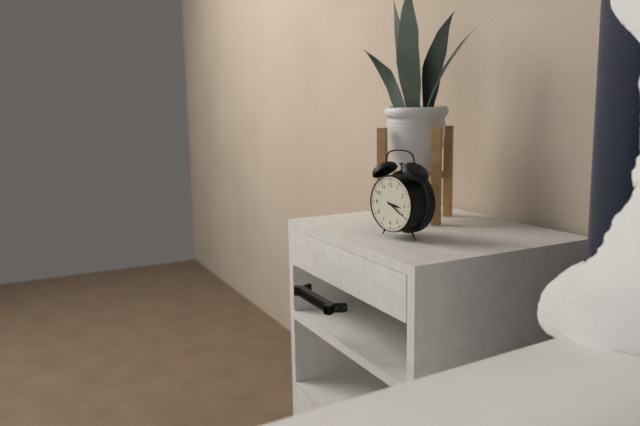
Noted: 3h20
